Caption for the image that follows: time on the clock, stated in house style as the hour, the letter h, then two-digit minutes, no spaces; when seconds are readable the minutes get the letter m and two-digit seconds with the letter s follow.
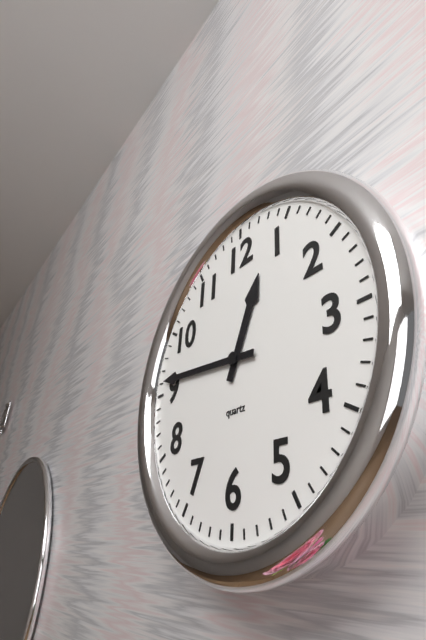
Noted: 12h46
